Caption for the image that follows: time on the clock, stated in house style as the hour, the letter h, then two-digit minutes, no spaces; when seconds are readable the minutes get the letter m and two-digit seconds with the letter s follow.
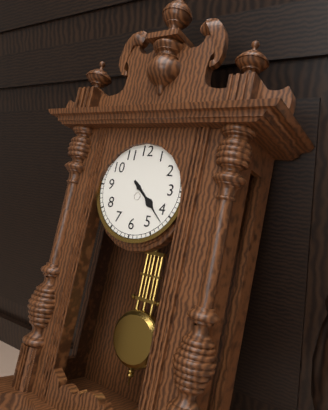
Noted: 4h22
